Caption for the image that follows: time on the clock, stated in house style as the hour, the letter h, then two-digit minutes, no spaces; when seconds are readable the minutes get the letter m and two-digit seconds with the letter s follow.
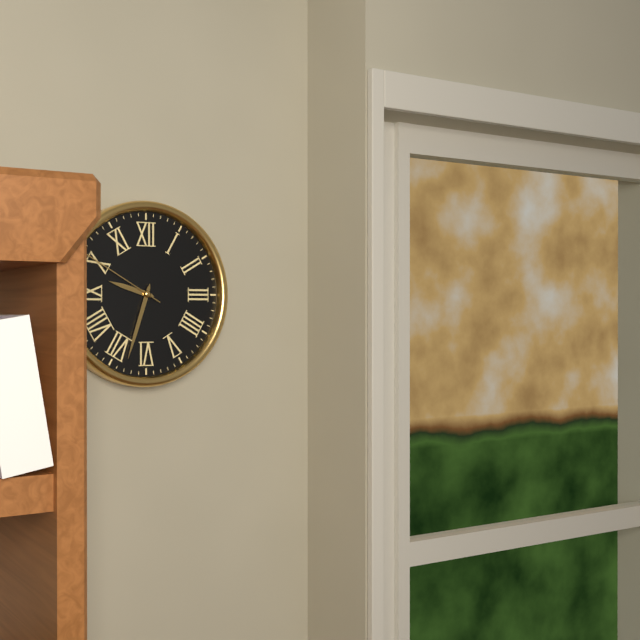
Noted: 9h33m50s
